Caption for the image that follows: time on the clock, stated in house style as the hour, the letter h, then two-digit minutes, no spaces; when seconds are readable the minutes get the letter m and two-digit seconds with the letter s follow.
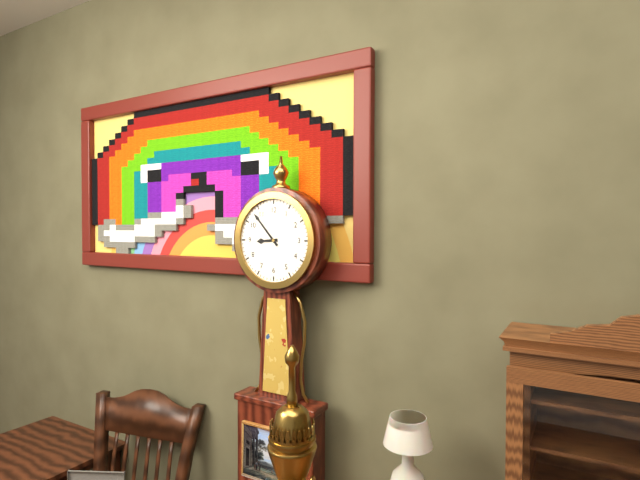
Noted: 8h53
